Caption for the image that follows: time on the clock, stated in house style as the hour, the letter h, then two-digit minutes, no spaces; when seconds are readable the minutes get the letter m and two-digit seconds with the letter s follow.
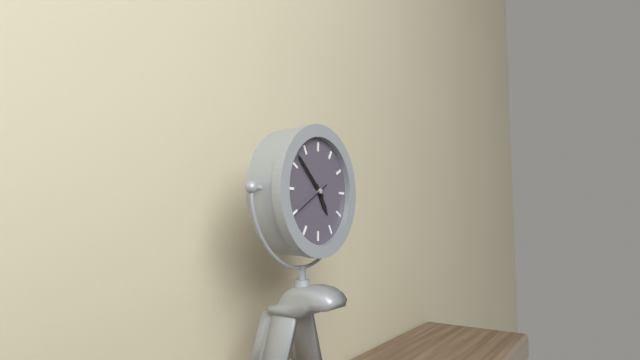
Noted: 4h52
